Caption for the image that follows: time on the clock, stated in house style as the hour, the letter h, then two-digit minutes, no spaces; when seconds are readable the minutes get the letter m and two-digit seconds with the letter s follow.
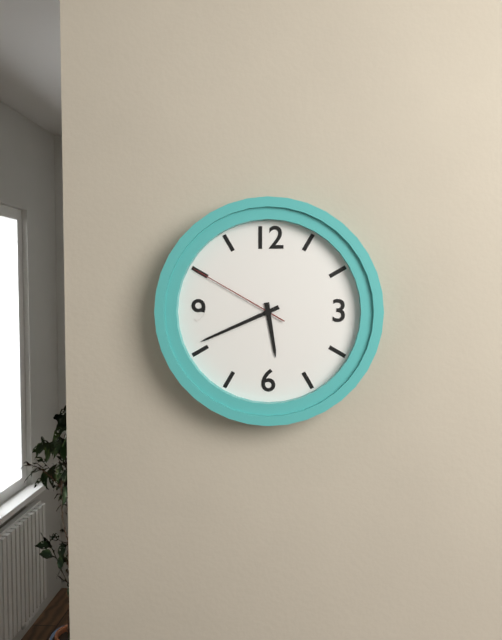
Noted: 5h41m50s
